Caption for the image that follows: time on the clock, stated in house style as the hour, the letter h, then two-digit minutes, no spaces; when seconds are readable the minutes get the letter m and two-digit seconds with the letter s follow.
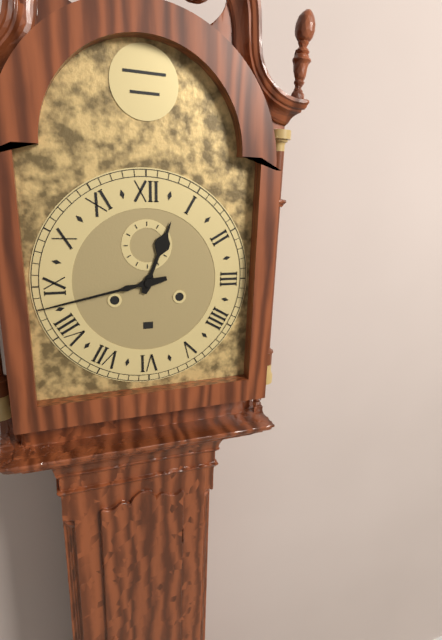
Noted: 12h43
